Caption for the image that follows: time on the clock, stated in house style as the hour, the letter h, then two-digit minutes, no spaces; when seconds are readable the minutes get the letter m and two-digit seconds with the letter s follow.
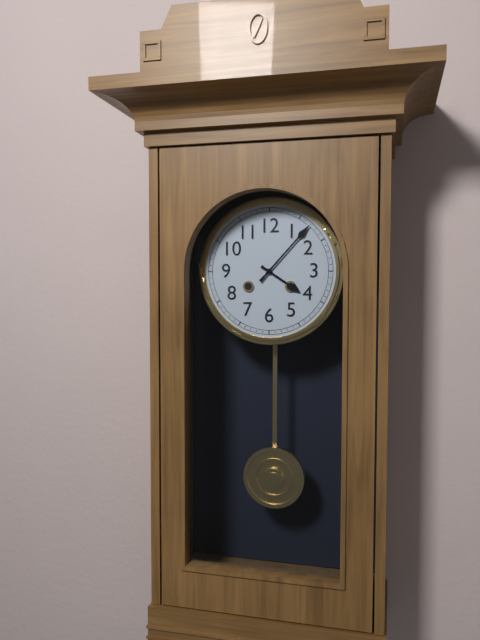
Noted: 4h07
